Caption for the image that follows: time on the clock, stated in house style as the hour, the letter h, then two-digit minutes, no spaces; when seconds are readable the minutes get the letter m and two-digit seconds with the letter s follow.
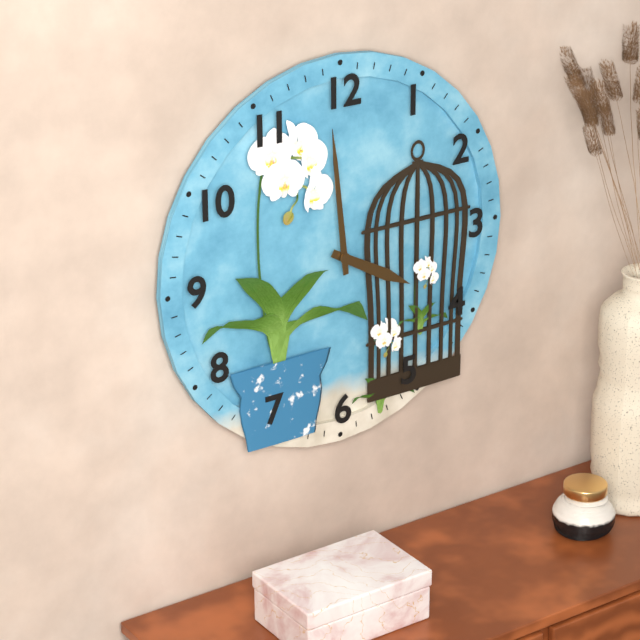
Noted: 3h59
